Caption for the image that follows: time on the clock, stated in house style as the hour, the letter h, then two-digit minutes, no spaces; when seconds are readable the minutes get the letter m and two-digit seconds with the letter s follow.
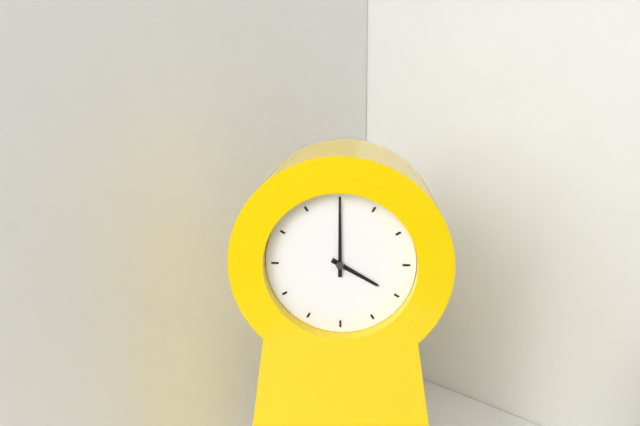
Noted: 4h00
